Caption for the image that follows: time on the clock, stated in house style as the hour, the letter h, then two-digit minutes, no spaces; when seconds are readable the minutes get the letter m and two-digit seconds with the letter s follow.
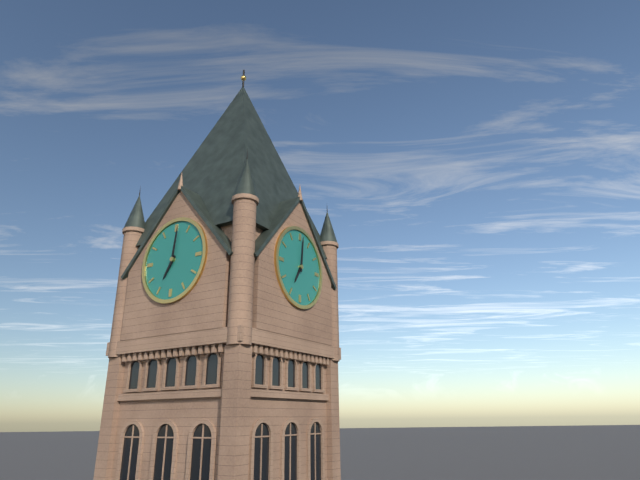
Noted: 7h01
